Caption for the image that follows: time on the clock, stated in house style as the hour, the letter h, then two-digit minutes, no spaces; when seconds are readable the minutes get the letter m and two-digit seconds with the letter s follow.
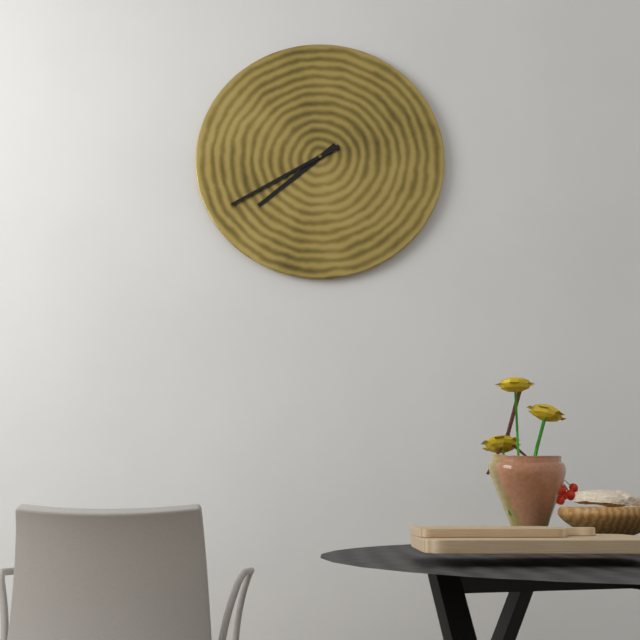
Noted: 7h40
